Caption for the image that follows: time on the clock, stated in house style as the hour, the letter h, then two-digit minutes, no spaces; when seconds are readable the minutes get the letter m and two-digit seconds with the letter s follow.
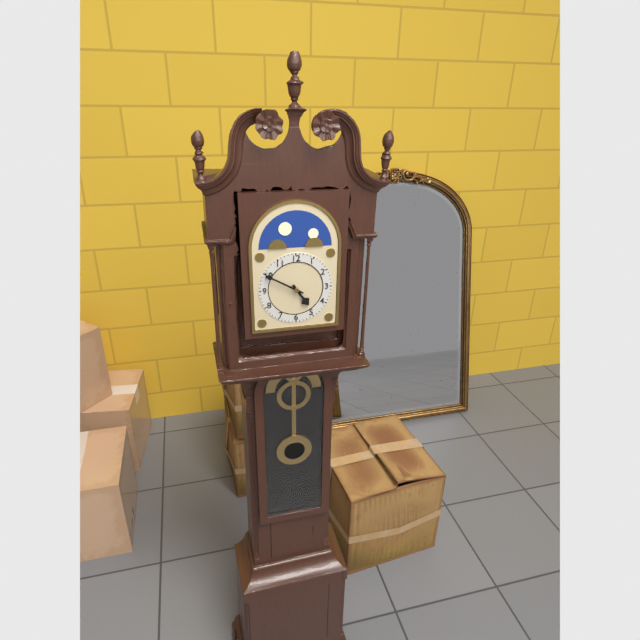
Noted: 4h50
